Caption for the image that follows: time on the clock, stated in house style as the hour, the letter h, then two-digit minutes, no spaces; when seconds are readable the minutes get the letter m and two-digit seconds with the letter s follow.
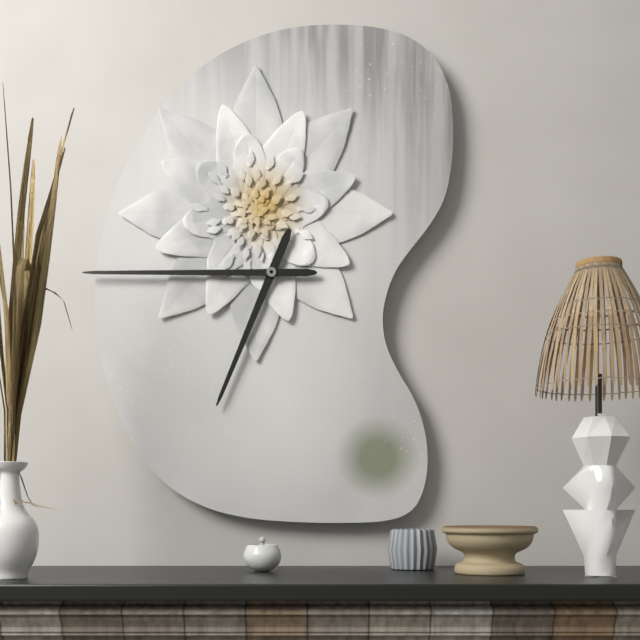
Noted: 6h45
